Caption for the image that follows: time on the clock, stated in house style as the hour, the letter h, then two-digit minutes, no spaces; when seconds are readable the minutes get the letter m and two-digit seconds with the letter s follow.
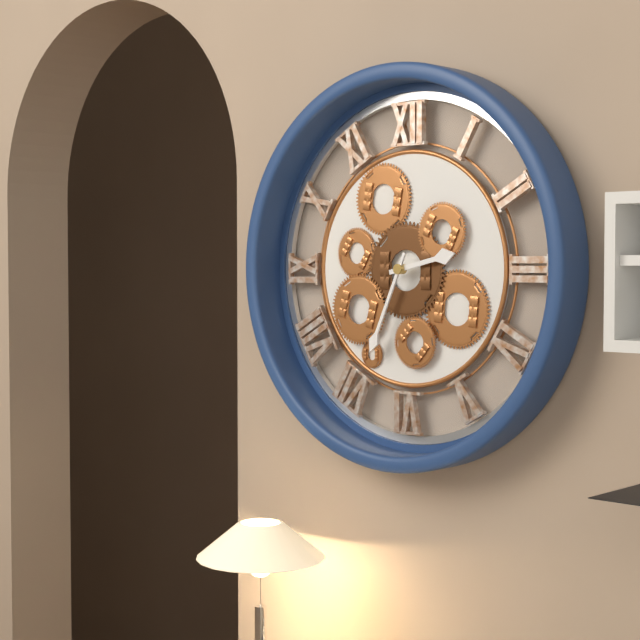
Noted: 2h34
